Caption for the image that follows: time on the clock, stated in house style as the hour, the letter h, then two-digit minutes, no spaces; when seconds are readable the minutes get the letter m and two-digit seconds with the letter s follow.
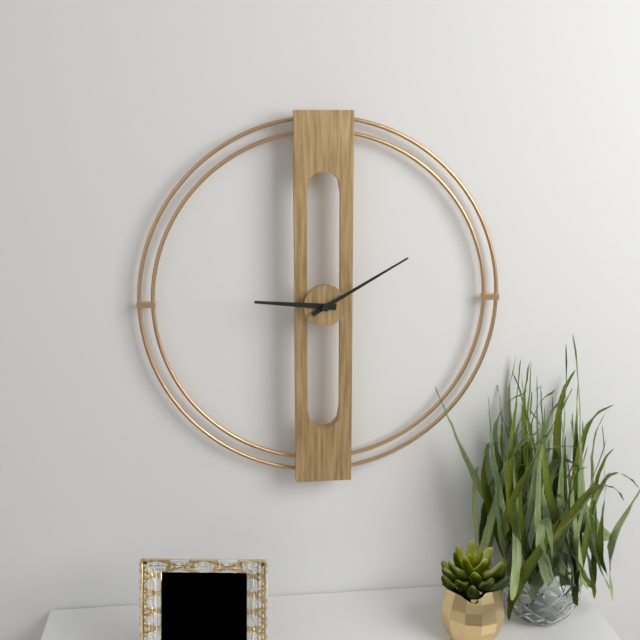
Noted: 9h10
